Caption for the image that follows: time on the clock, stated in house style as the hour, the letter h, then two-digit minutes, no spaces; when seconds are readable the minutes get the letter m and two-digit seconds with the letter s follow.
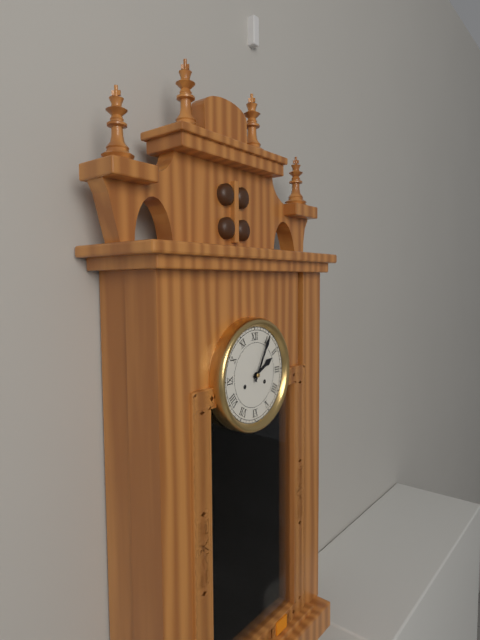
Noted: 2h05
